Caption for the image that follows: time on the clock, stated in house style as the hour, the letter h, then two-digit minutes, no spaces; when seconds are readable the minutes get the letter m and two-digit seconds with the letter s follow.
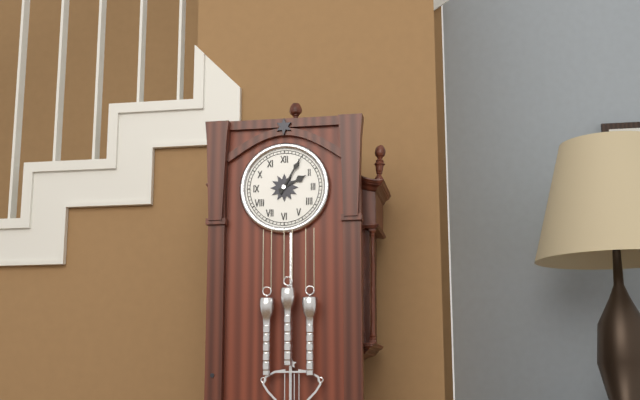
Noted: 2h05
